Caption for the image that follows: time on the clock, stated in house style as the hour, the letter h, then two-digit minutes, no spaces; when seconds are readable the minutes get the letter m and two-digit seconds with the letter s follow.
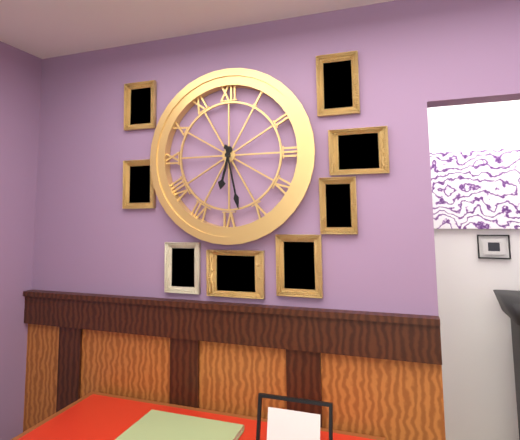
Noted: 6h28
